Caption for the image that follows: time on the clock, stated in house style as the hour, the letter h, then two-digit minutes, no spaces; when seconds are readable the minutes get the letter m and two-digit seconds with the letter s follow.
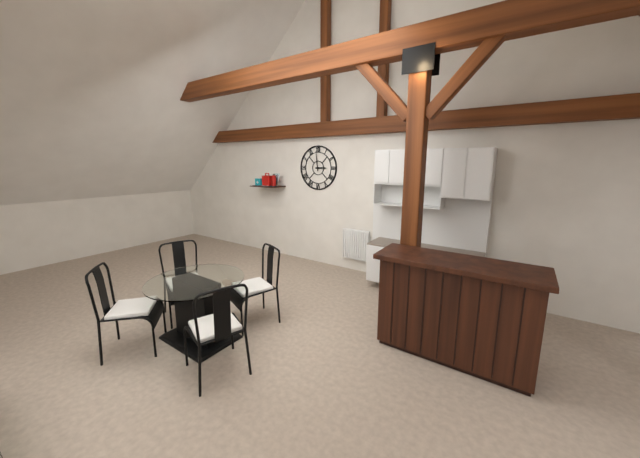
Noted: 2h59
